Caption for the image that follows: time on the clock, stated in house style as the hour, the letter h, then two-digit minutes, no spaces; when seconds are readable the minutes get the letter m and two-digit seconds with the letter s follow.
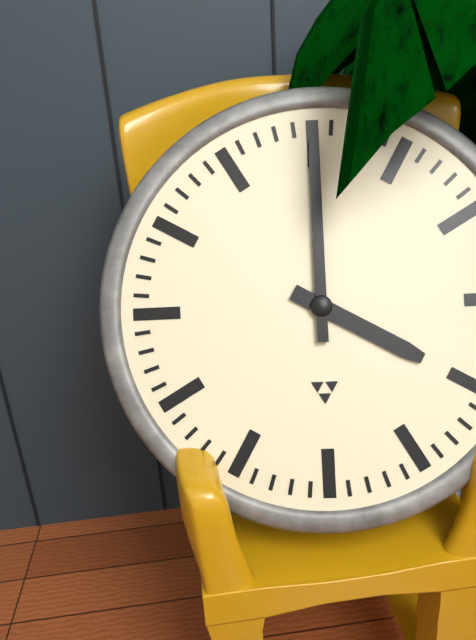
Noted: 4h00
